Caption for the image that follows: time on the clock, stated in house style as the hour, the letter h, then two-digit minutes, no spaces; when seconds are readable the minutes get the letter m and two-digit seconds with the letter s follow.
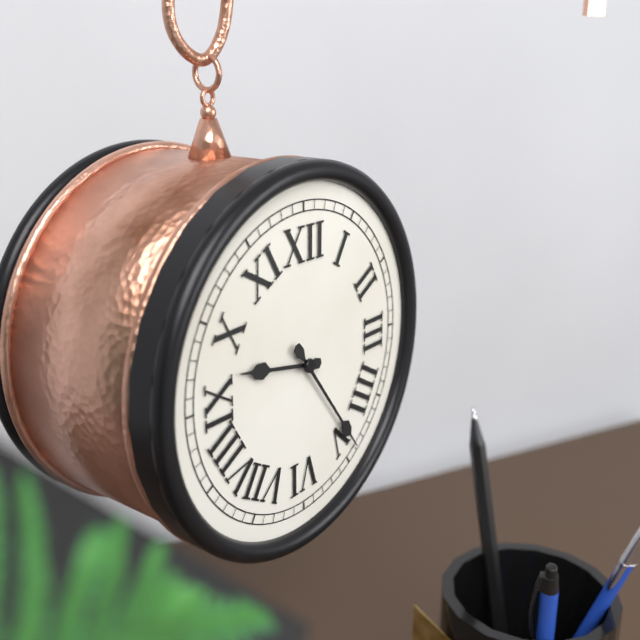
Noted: 9h24
